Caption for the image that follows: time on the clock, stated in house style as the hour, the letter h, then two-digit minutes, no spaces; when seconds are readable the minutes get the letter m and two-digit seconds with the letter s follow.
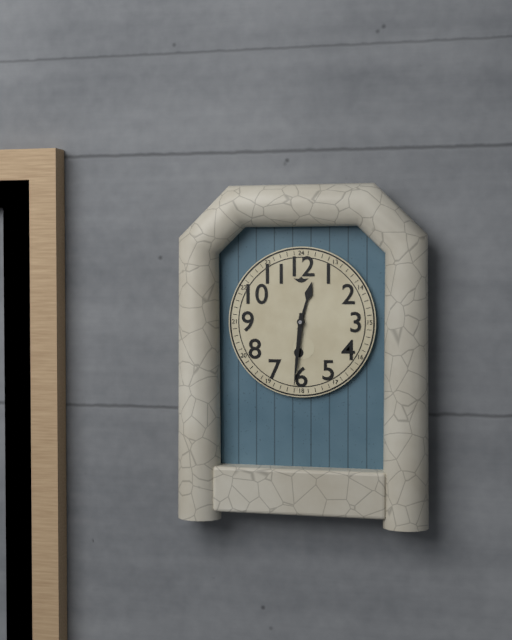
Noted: 12h31
